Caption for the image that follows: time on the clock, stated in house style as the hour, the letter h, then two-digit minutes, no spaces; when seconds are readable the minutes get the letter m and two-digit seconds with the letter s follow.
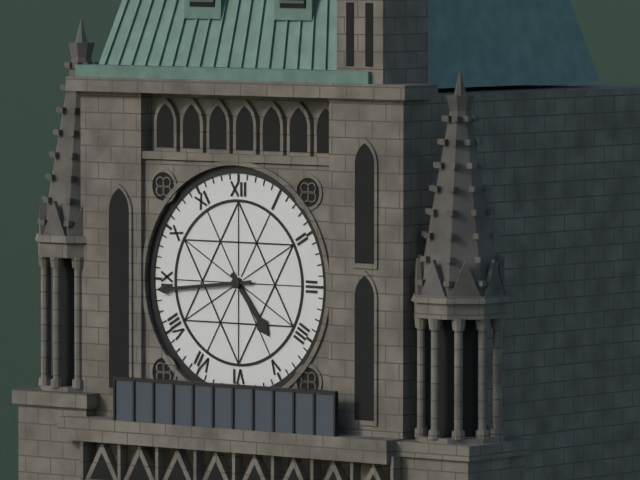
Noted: 4h44
